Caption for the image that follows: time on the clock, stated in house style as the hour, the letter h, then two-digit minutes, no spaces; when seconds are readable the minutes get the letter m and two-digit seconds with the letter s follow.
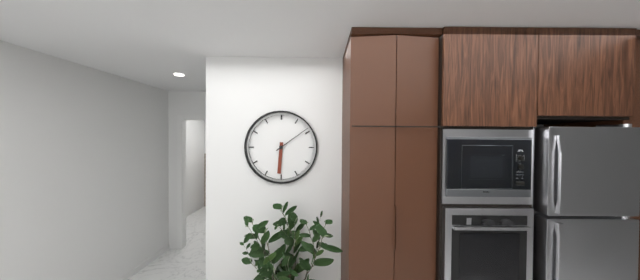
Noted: 6h09
